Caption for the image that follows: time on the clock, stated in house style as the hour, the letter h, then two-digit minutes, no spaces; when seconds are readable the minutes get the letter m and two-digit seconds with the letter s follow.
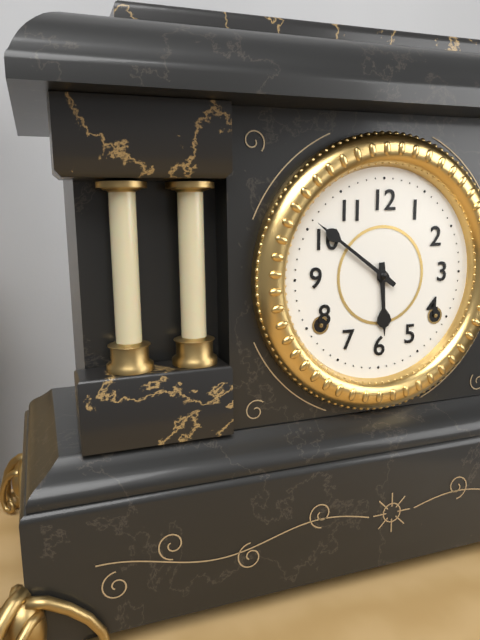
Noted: 5h51
